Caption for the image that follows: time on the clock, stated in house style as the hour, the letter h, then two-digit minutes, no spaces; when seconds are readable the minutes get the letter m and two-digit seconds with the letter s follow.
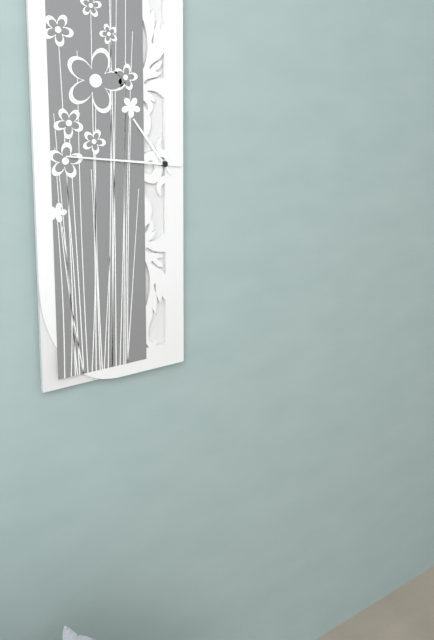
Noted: 10h46
